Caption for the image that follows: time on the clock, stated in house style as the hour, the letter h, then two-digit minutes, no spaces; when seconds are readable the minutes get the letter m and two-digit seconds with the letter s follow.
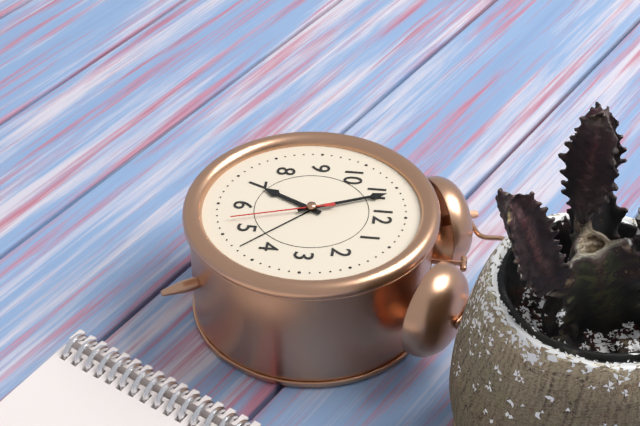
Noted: 6h56m27s
